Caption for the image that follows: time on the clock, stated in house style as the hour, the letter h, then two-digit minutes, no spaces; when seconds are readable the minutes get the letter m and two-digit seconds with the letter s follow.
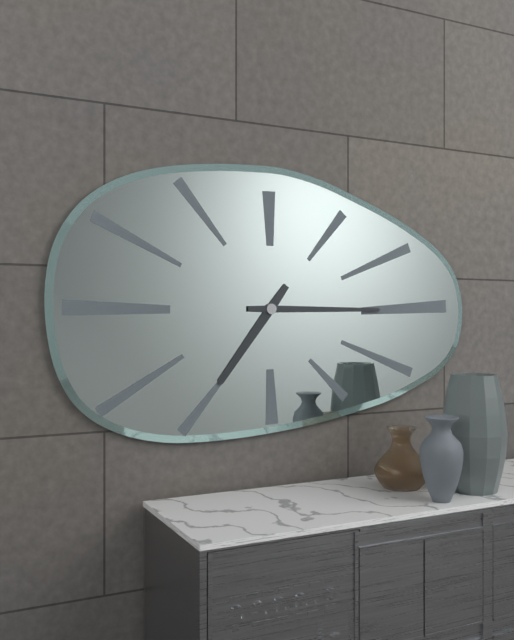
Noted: 7h15
